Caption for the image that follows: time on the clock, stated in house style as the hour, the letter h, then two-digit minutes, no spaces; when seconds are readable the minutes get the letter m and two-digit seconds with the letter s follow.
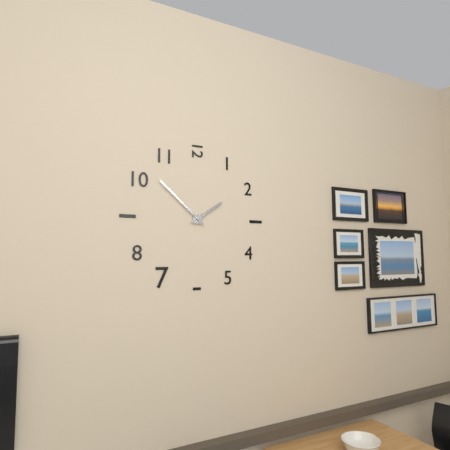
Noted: 1h52
